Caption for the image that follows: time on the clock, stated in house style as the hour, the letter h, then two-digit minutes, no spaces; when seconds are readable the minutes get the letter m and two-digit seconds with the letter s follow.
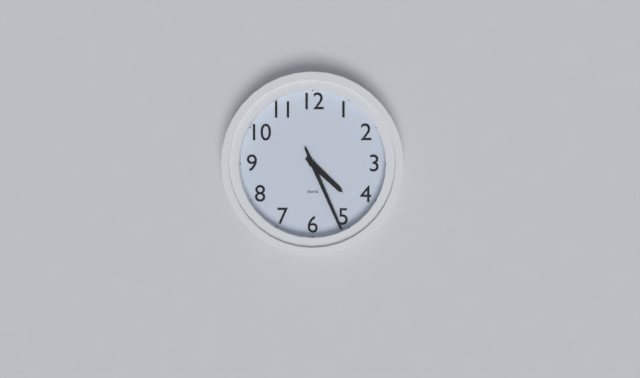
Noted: 4h26
